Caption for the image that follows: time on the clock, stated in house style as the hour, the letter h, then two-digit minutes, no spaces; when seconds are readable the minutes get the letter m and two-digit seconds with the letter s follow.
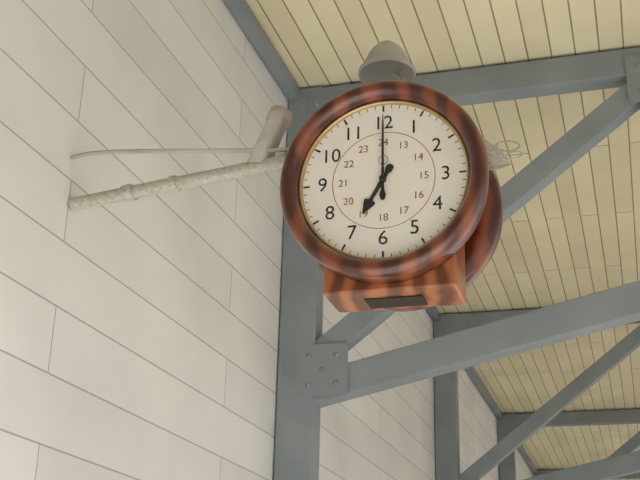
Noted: 7h00
